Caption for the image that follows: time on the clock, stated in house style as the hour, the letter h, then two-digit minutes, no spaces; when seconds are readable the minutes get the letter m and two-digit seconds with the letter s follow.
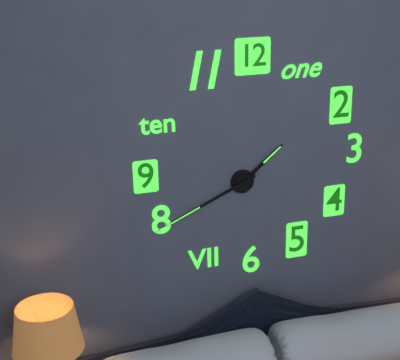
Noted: 1h41
